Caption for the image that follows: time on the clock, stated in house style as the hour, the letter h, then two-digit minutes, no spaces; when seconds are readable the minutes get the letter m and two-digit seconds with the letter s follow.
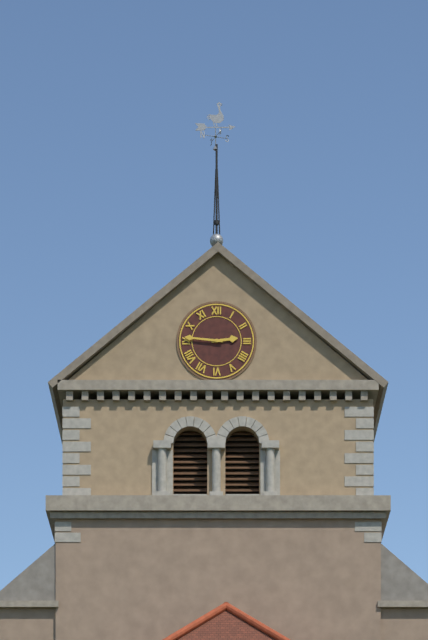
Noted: 2h46
